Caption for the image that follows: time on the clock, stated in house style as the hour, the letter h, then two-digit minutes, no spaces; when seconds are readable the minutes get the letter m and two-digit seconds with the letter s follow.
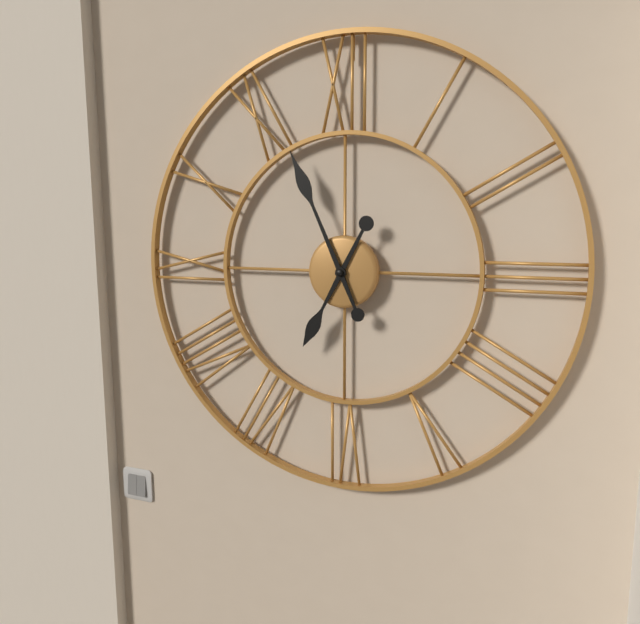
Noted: 6h56
